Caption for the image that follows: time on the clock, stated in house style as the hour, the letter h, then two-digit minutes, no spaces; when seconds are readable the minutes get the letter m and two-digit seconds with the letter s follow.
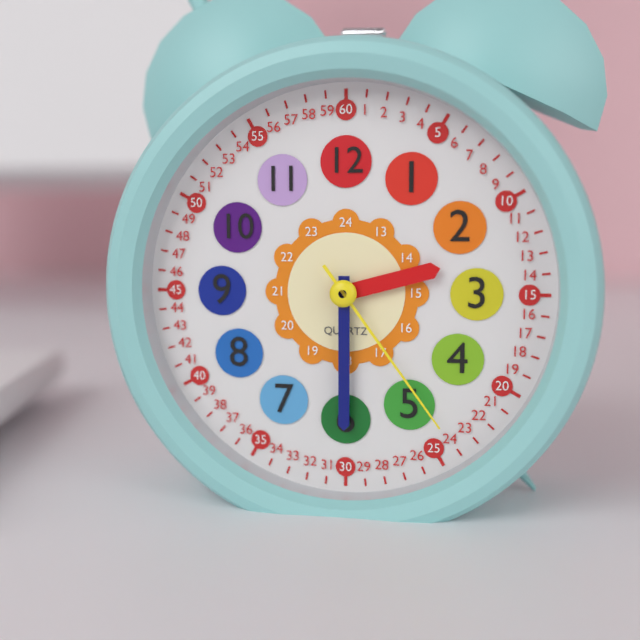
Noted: 2h30m24s
